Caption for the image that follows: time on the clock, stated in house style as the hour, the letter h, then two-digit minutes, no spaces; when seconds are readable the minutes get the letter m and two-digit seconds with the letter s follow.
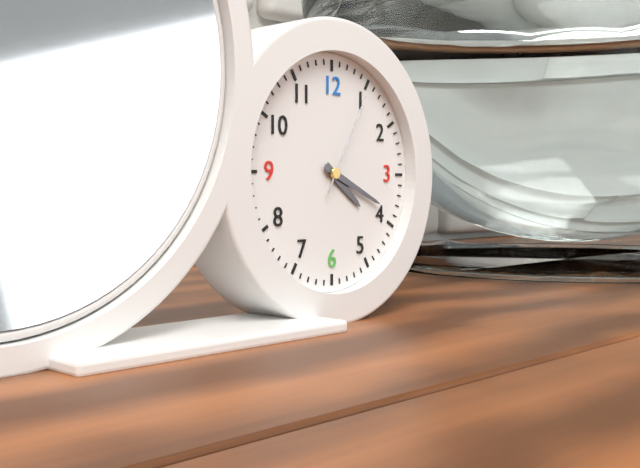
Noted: 4h19m05s
